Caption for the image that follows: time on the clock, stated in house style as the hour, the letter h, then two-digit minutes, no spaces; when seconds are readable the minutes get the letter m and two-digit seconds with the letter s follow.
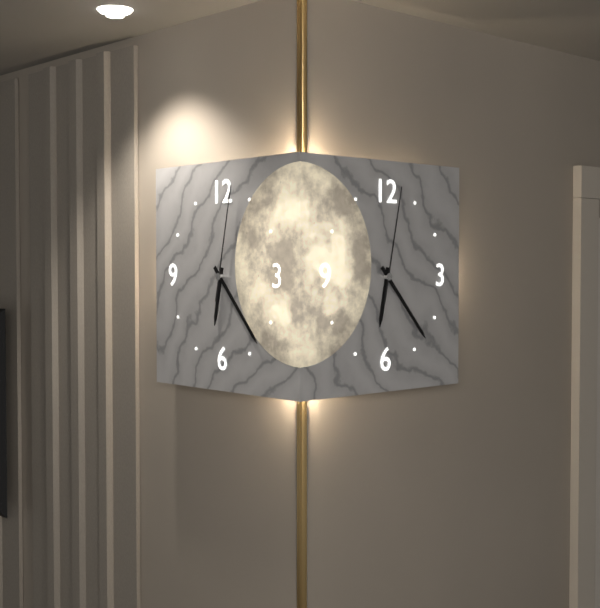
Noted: 6h23m02s
